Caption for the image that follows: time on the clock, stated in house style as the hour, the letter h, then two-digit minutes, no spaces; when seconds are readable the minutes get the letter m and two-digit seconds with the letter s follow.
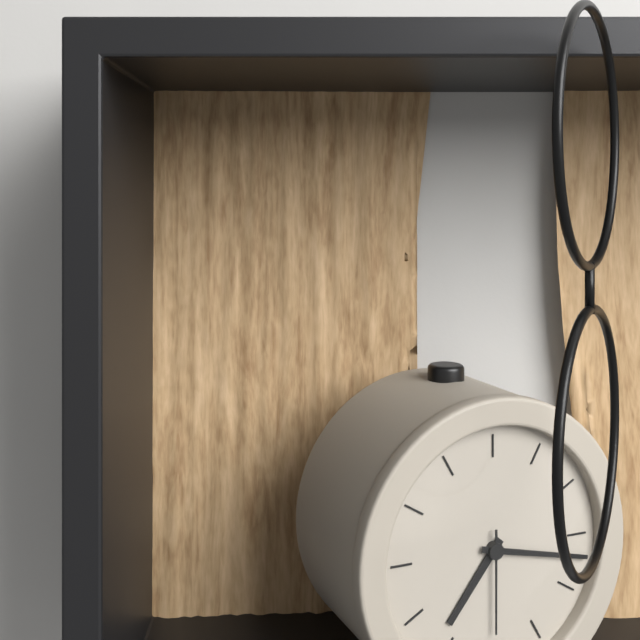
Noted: 7h17m30s
